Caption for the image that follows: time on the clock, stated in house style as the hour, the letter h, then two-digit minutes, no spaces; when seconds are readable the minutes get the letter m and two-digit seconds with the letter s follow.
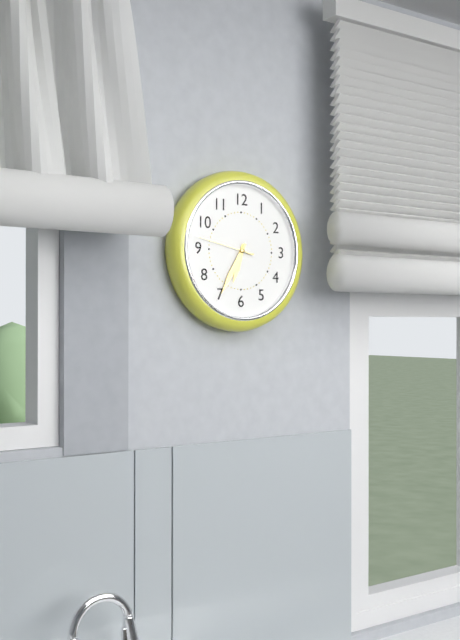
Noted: 6h35m47s
